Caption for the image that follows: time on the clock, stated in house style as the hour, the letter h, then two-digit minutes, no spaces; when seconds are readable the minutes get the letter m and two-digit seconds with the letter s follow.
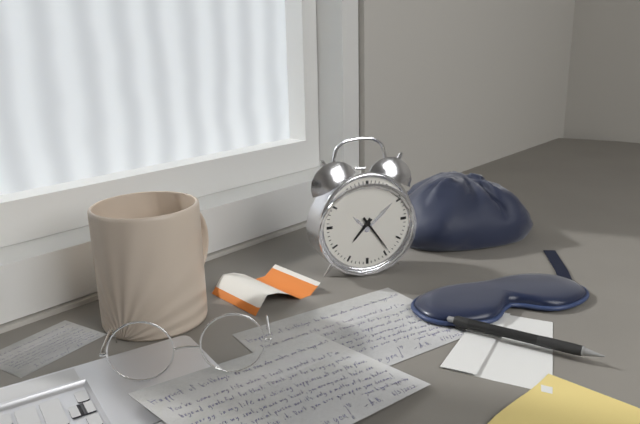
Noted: 7h24
